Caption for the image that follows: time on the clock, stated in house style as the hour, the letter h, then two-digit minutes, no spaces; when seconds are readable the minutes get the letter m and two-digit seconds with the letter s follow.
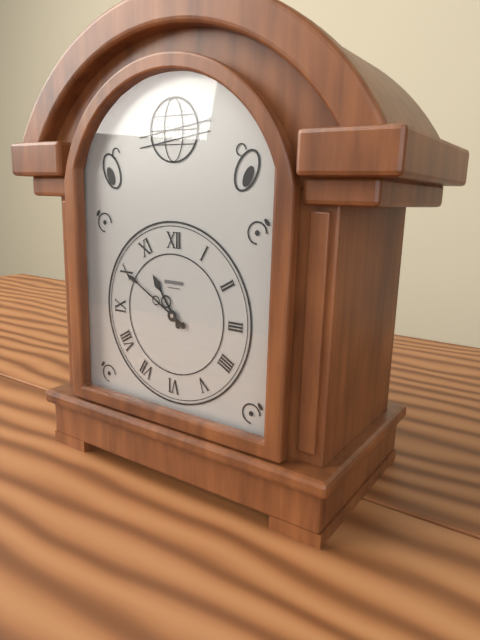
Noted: 10h50
